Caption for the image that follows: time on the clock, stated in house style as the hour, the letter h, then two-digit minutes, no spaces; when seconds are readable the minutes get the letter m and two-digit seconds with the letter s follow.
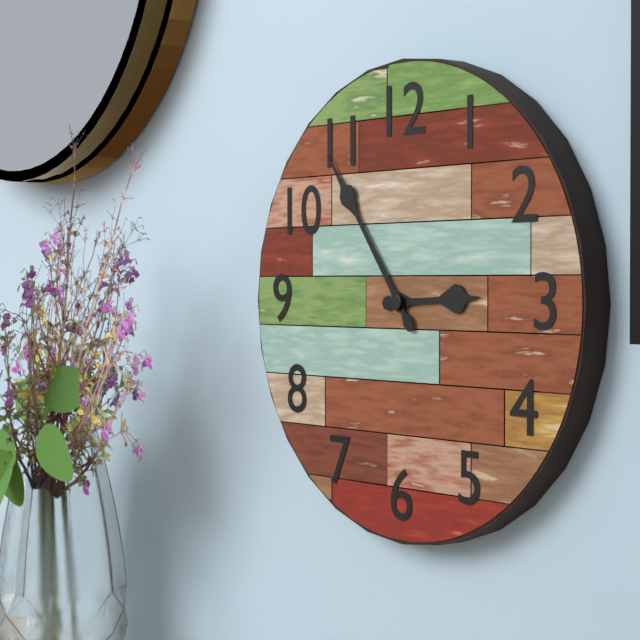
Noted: 2h54
